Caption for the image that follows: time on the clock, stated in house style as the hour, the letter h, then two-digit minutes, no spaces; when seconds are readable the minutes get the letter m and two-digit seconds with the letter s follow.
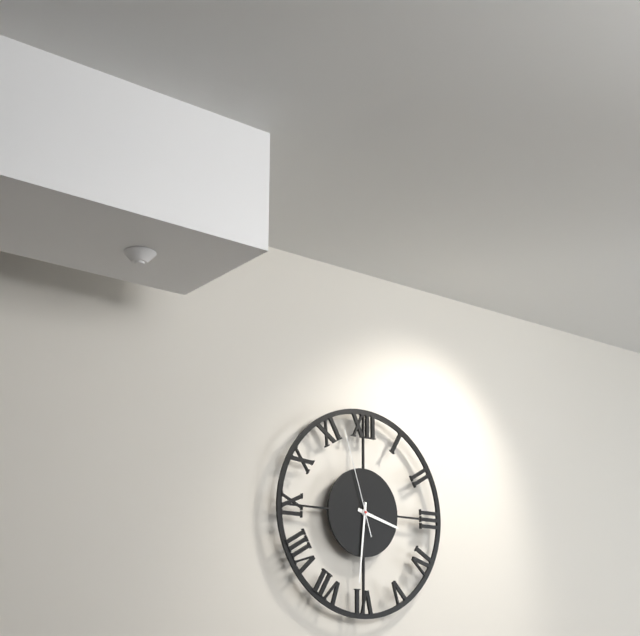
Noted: 3h31m57s
